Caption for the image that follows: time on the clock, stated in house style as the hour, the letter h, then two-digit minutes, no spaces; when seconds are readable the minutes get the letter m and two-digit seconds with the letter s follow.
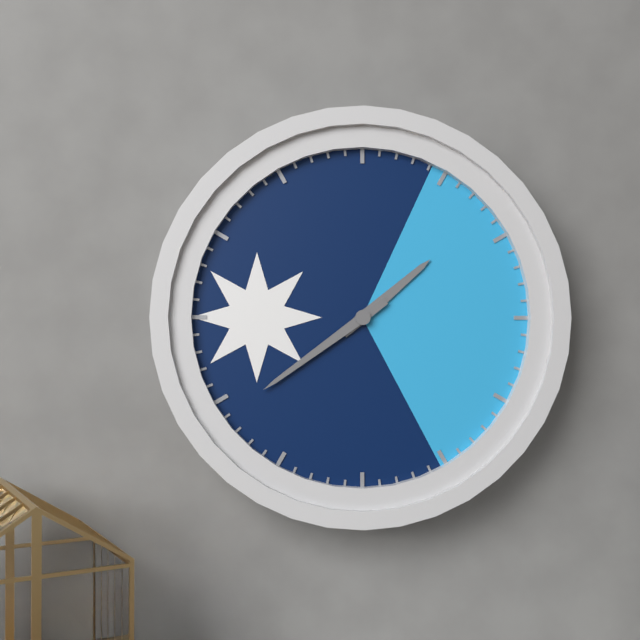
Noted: 1h39
